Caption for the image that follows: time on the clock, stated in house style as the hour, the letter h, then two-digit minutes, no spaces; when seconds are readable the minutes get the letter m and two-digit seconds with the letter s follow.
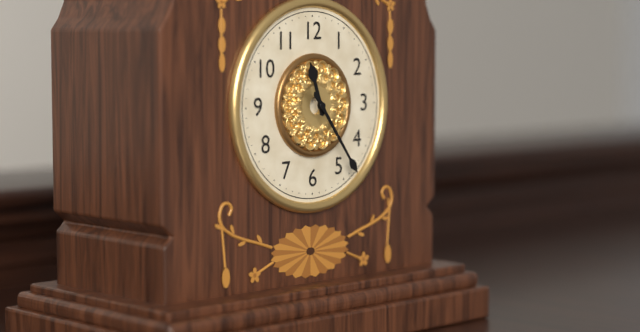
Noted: 11h24
